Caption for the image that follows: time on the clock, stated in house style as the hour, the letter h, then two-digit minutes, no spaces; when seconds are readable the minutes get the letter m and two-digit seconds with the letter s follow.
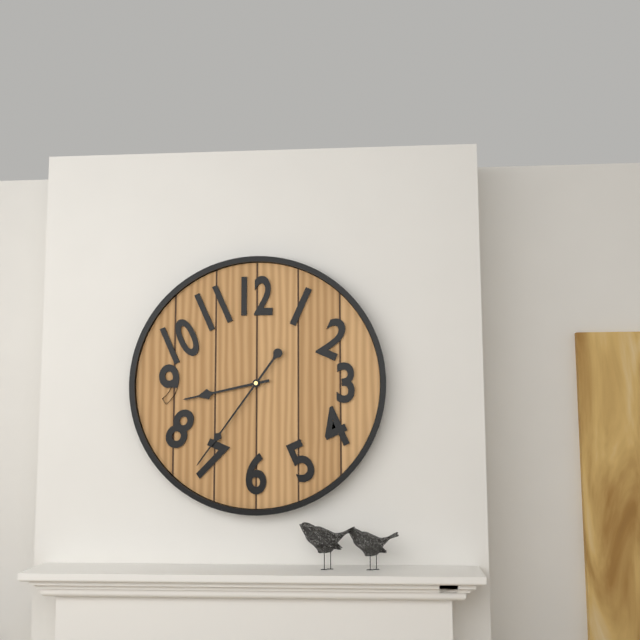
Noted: 8h36
